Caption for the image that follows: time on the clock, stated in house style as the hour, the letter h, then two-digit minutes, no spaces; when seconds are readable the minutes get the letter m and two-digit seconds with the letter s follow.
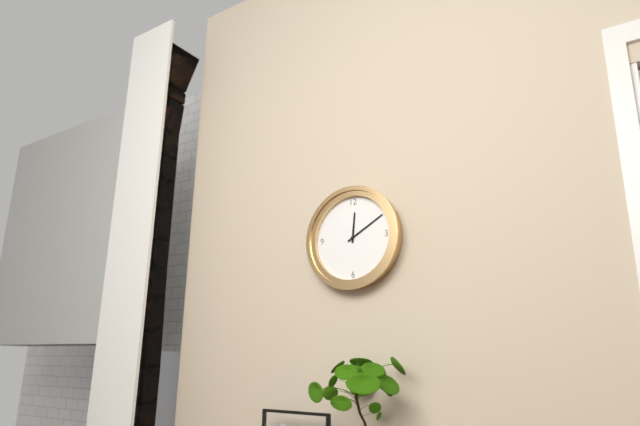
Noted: 12h10
